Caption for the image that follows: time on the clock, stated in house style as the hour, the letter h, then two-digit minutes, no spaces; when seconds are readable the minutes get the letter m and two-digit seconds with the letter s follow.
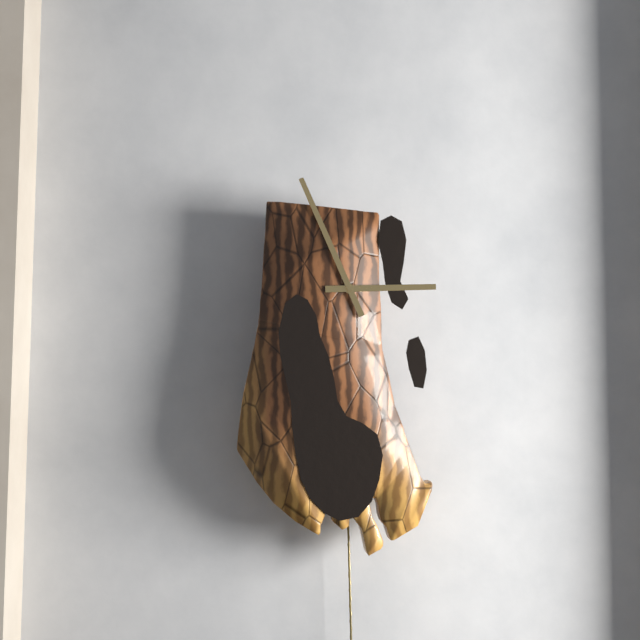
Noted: 2h56
